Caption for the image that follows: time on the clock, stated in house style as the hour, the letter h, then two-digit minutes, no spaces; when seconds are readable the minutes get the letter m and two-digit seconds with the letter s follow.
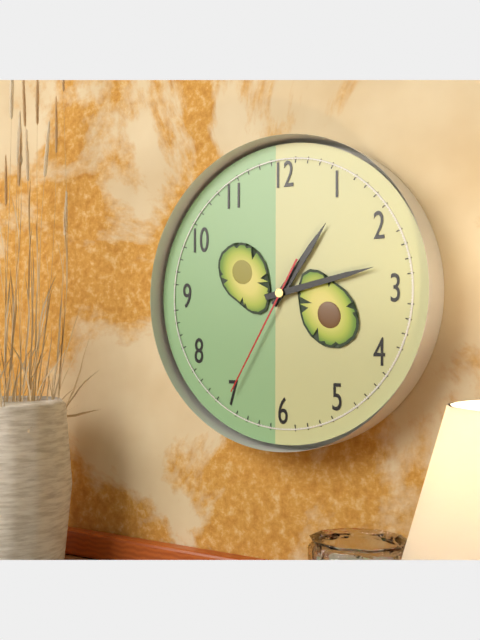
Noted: 1h13m35s
